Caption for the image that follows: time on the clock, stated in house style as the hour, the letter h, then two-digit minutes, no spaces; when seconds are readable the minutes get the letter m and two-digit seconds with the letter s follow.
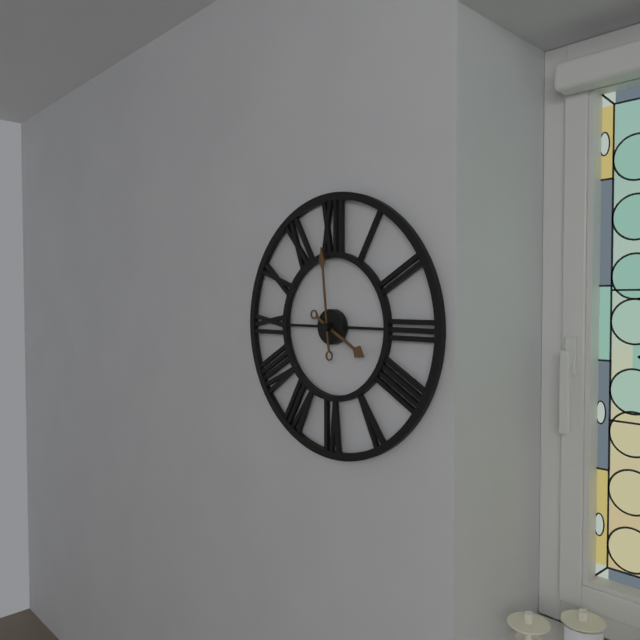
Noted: 3h59
